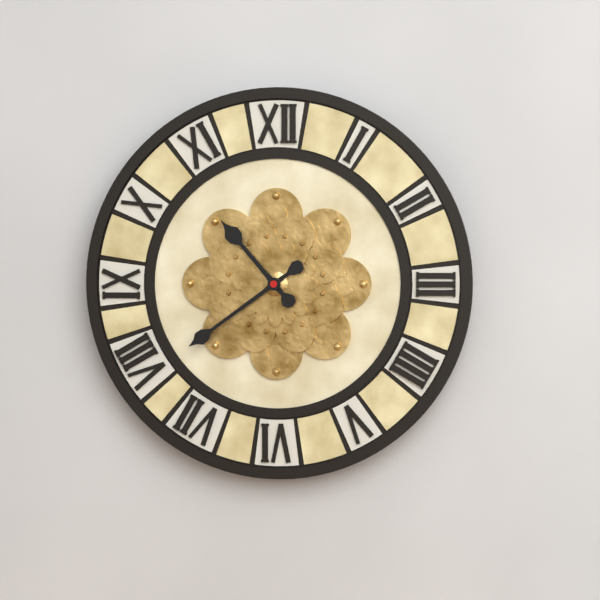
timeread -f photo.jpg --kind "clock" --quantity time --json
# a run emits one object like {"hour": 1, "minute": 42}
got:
{"hour": 10, "minute": 39}
